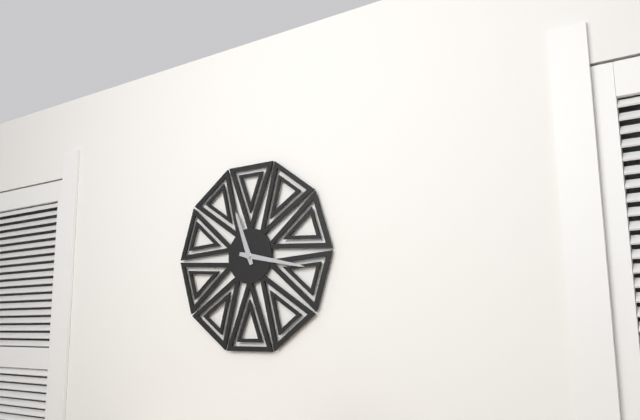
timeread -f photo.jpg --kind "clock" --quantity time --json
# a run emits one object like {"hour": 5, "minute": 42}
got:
{"hour": 11, "minute": 17}
